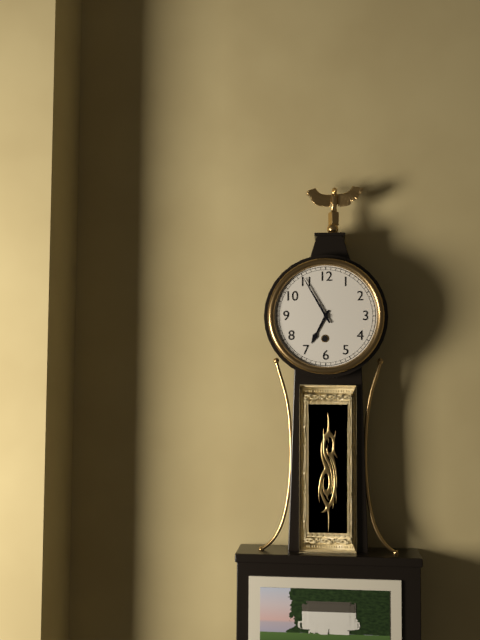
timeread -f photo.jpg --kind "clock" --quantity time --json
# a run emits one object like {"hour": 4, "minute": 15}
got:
{"hour": 6, "minute": 55}
